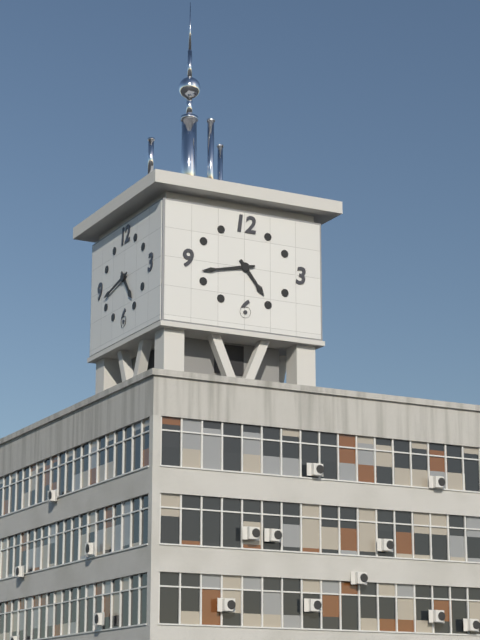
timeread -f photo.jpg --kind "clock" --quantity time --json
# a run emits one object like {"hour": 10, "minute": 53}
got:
{"hour": 4, "minute": 43}
